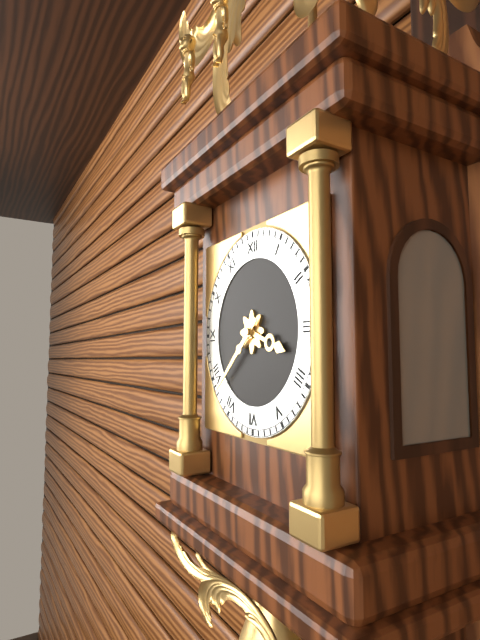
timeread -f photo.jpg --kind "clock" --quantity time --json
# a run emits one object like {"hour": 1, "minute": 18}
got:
{"hour": 3, "minute": 38}
